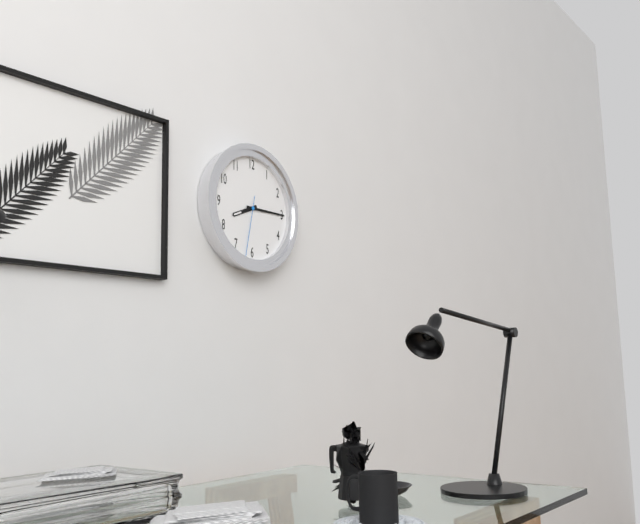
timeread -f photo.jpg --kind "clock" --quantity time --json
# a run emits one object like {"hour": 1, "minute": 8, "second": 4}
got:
{"hour": 8, "minute": 15, "second": 32}
